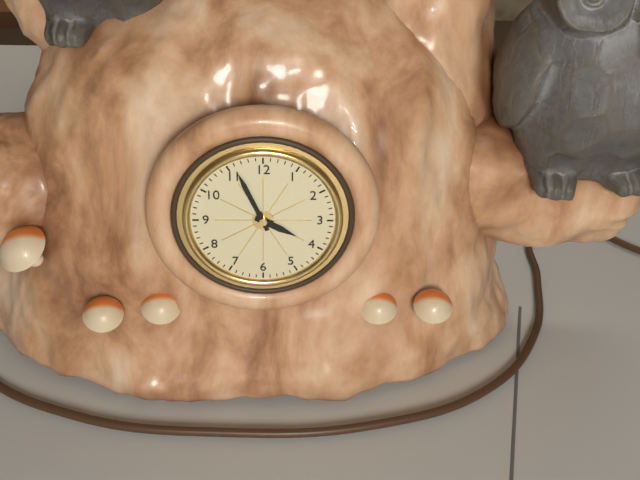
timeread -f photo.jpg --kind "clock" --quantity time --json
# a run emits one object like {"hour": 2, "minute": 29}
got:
{"hour": 3, "minute": 56}
